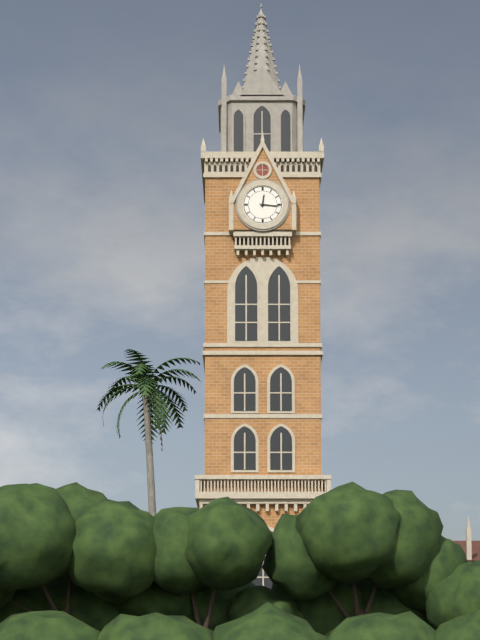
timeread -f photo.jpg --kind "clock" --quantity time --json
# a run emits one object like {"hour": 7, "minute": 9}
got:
{"hour": 12, "minute": 16}
